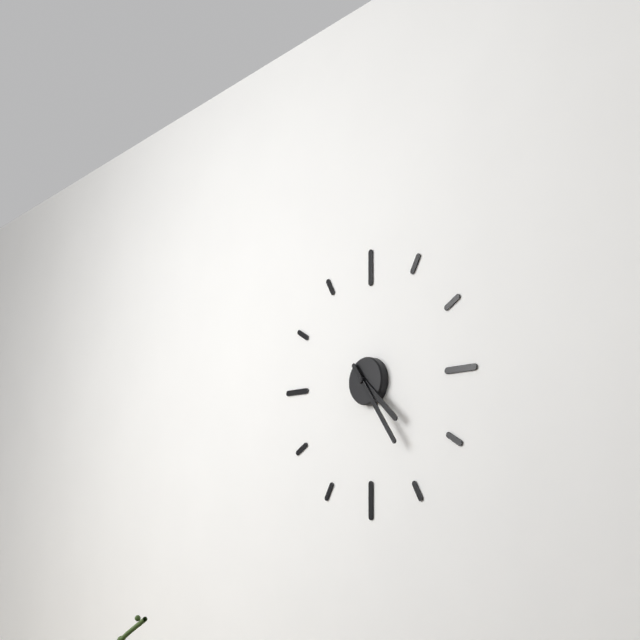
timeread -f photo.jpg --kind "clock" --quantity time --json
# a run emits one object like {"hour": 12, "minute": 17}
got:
{"hour": 4, "minute": 24}
